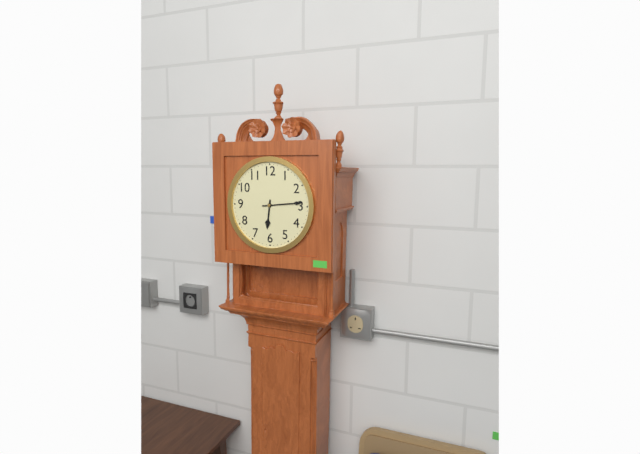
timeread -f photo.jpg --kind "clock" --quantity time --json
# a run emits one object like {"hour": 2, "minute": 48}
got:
{"hour": 6, "minute": 14}
